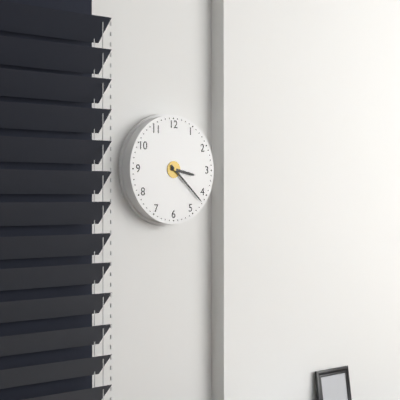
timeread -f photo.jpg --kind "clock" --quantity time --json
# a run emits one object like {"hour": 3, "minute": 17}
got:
{"hour": 3, "minute": 22}
